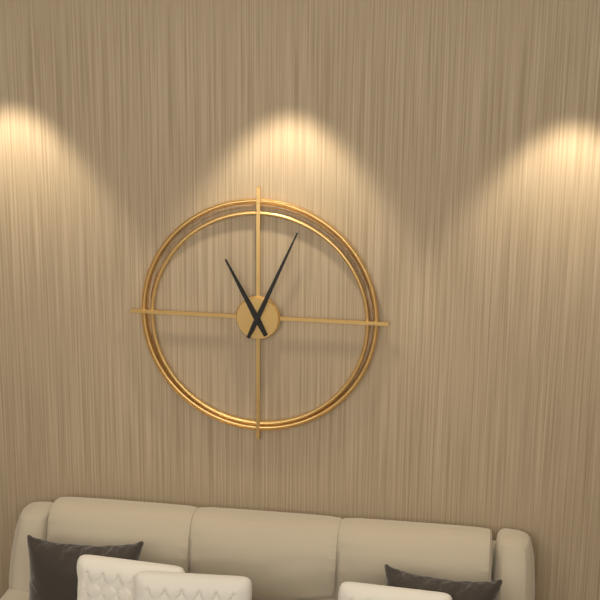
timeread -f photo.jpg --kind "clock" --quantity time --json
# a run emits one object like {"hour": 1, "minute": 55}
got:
{"hour": 11, "minute": 4}
